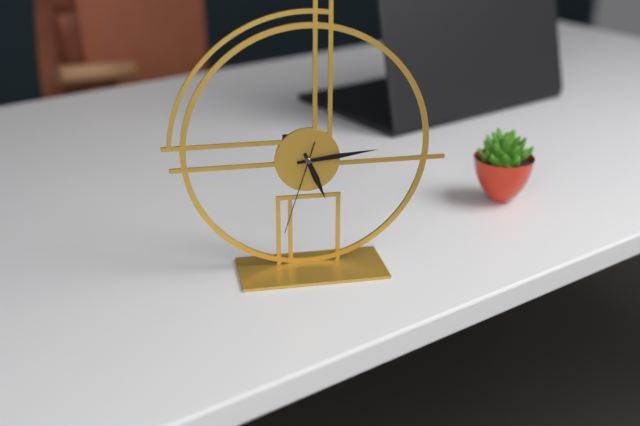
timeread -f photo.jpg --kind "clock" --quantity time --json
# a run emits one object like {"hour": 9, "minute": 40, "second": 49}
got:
{"hour": 5, "minute": 14, "second": 33}
